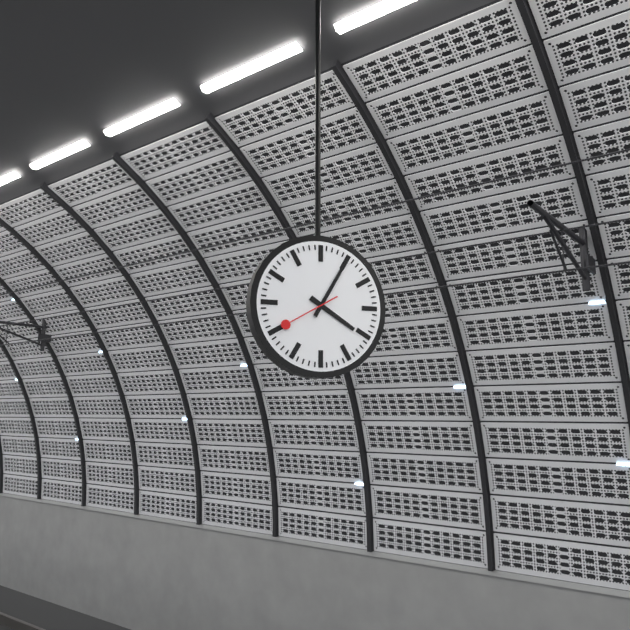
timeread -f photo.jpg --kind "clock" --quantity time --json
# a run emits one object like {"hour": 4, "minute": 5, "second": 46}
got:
{"hour": 4, "minute": 5, "second": 40}
